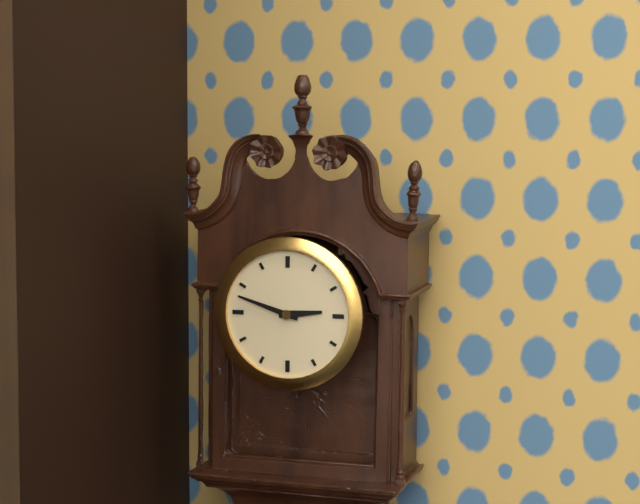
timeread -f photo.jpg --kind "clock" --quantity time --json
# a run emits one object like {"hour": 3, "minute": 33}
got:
{"hour": 2, "minute": 48}
